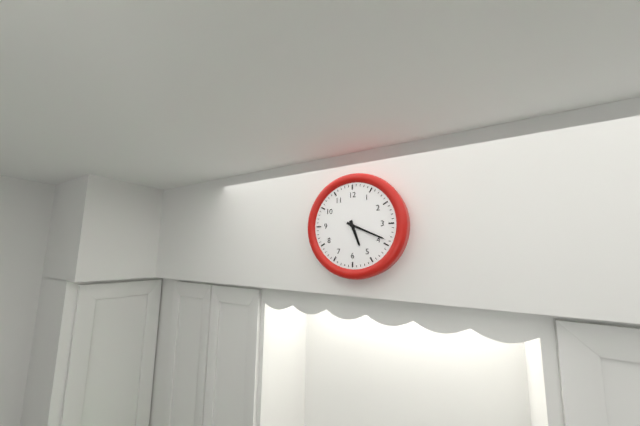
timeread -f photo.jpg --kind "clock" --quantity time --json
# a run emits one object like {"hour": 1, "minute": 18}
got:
{"hour": 5, "minute": 19}
